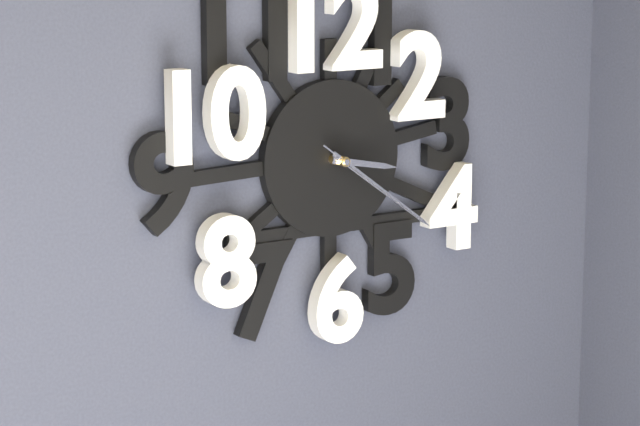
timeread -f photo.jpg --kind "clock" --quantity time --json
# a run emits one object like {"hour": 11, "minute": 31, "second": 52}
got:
{"hour": 3, "minute": 21, "second": 21}
